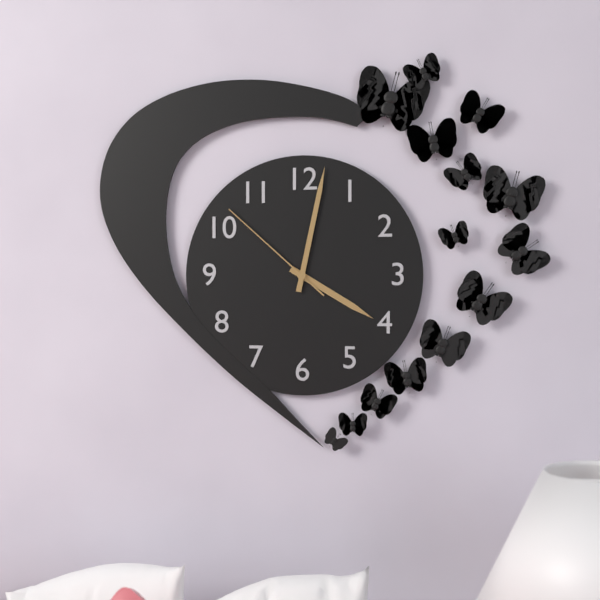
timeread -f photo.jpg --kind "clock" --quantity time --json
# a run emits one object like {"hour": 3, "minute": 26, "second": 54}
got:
{"hour": 4, "minute": 2, "second": 52}
